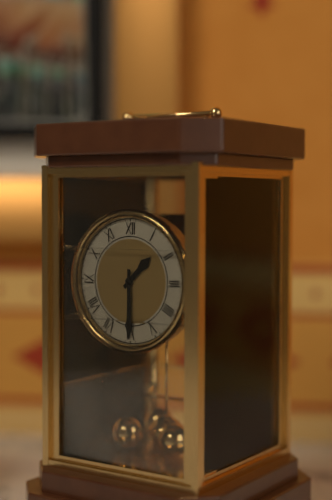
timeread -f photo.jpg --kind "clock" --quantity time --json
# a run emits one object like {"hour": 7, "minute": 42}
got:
{"hour": 1, "minute": 30}
